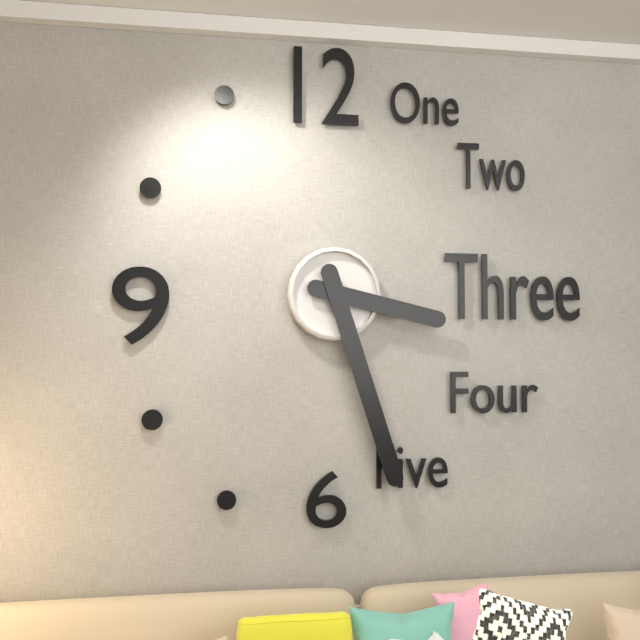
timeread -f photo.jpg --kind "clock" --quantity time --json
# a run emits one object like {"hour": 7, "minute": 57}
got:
{"hour": 3, "minute": 27}
